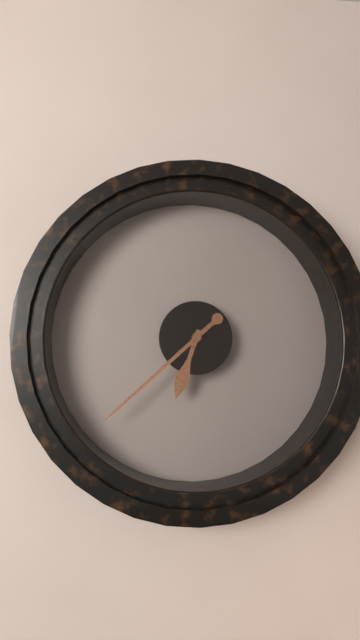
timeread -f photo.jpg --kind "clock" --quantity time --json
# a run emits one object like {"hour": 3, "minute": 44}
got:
{"hour": 6, "minute": 38}
